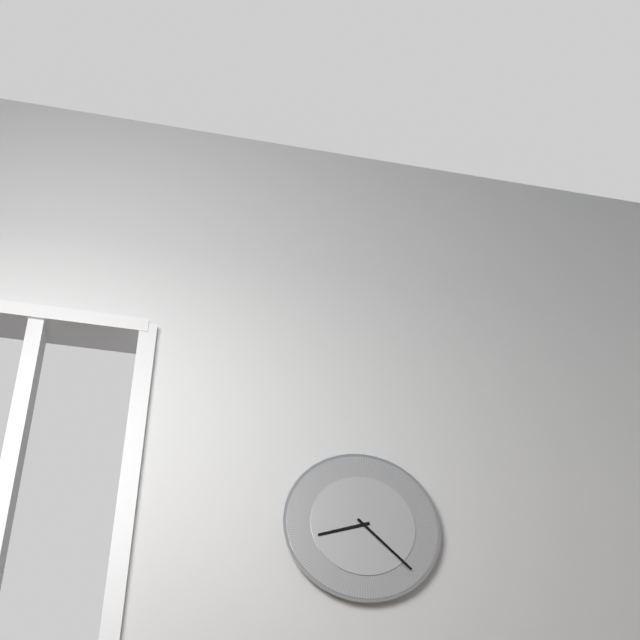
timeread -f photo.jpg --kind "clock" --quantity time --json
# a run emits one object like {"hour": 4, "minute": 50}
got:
{"hour": 8, "minute": 22}
